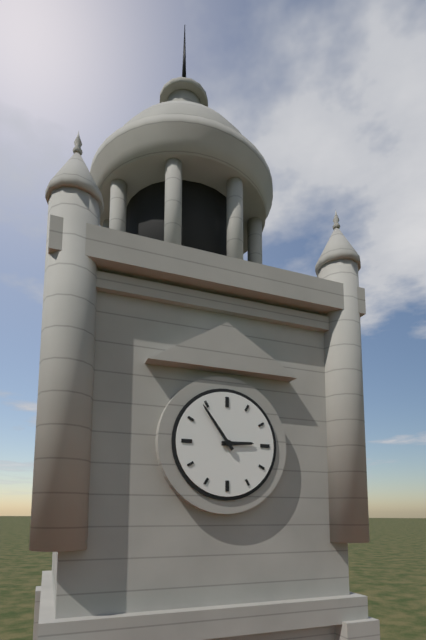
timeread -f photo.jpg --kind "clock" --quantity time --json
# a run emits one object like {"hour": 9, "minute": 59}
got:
{"hour": 2, "minute": 54}
